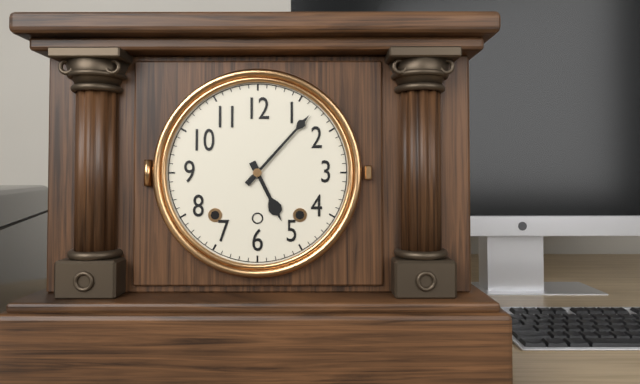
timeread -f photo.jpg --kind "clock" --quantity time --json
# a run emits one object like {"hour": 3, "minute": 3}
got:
{"hour": 5, "minute": 7}
